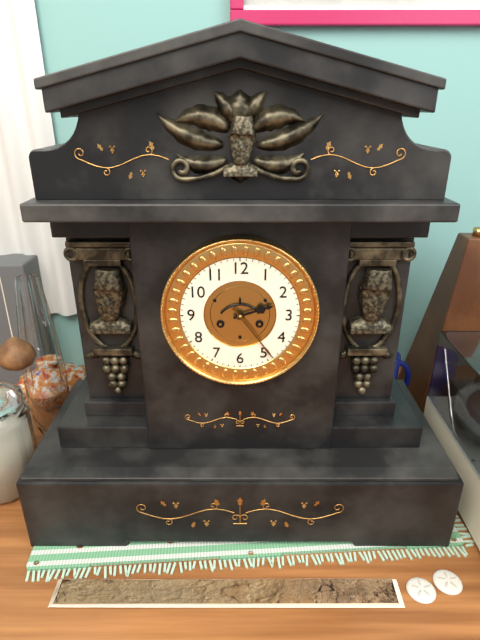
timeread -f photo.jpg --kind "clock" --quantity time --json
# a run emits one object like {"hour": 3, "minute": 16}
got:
{"hour": 2, "minute": 24}
